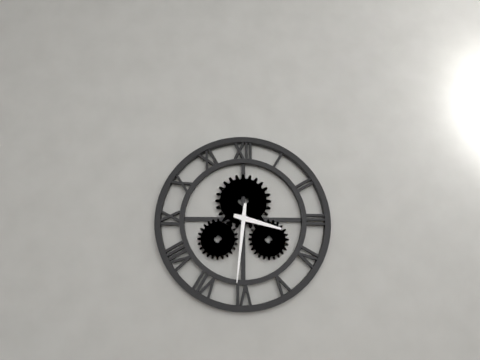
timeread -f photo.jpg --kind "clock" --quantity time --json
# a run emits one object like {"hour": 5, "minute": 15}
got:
{"hour": 3, "minute": 31}
